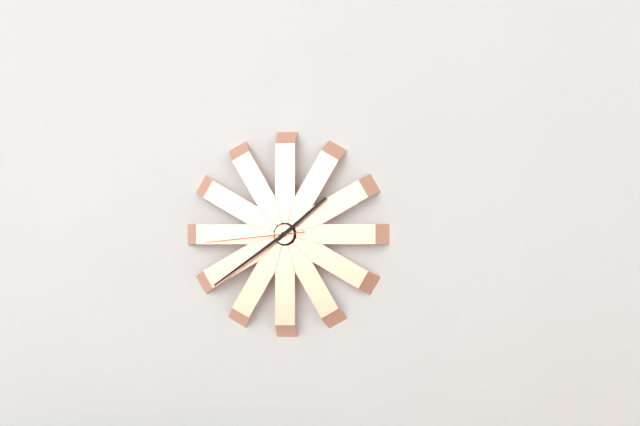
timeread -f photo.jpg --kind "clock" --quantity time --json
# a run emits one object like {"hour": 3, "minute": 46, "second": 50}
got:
{"hour": 1, "minute": 39, "second": 44}
